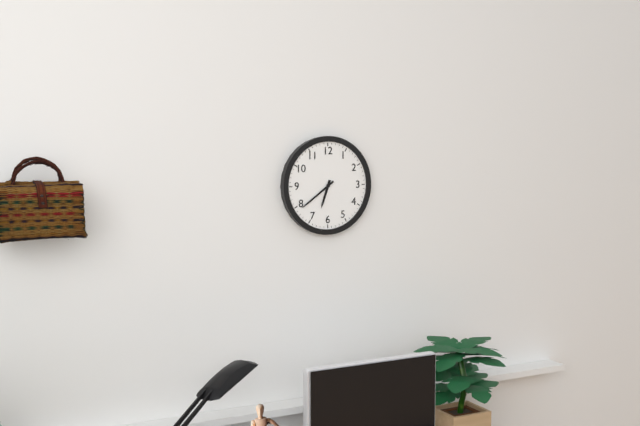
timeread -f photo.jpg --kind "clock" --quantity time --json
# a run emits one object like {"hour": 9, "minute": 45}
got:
{"hour": 6, "minute": 39}
